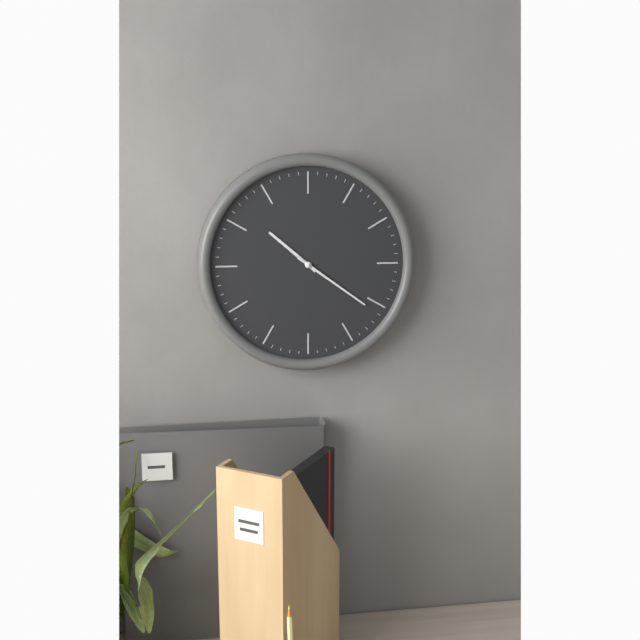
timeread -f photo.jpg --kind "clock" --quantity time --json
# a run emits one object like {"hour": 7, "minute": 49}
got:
{"hour": 10, "minute": 21}
